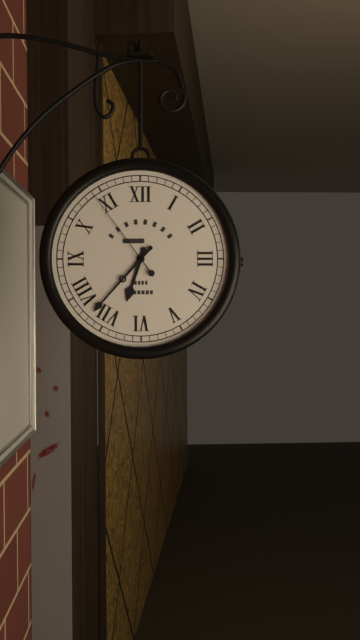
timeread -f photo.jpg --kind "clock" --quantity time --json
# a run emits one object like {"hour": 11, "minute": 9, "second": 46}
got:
{"hour": 6, "minute": 37, "second": 54}
